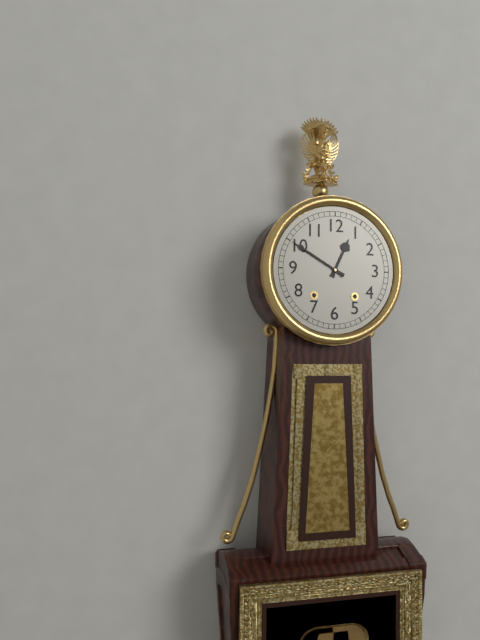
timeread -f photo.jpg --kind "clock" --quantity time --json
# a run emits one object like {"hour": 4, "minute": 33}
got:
{"hour": 12, "minute": 50}
